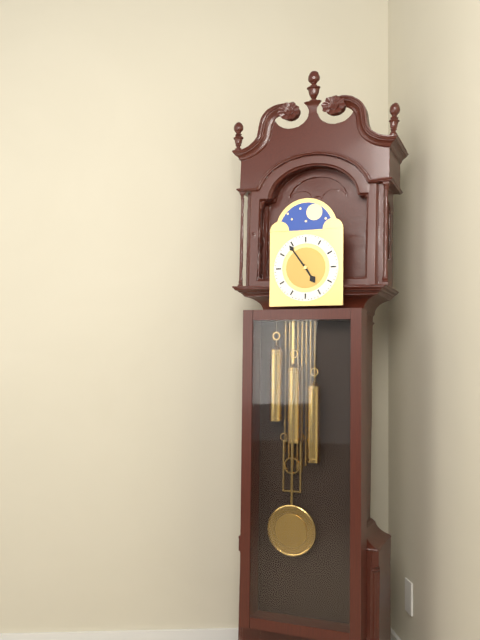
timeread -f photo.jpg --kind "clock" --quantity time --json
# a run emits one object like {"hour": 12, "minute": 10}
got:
{"hour": 4, "minute": 54}
